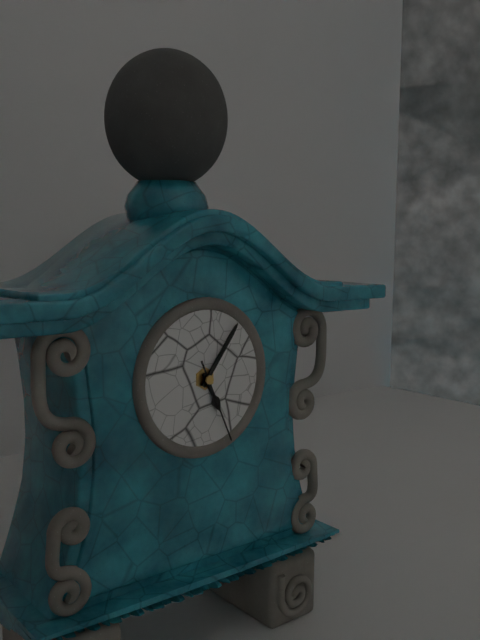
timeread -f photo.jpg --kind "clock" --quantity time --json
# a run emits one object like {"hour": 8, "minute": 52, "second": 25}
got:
{"hour": 5, "minute": 6, "second": 26}
